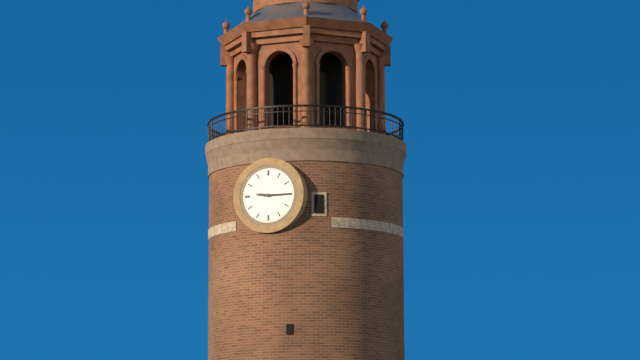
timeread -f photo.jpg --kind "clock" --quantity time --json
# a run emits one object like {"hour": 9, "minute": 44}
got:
{"hour": 9, "minute": 15}
